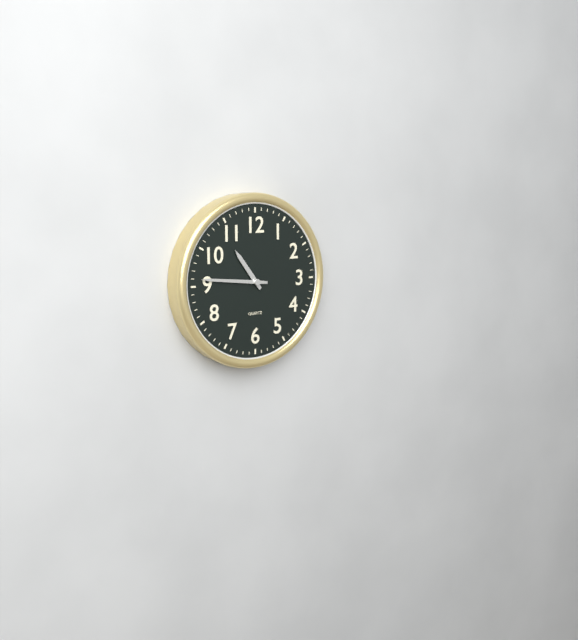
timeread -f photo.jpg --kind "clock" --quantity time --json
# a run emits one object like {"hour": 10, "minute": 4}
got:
{"hour": 10, "minute": 46}
